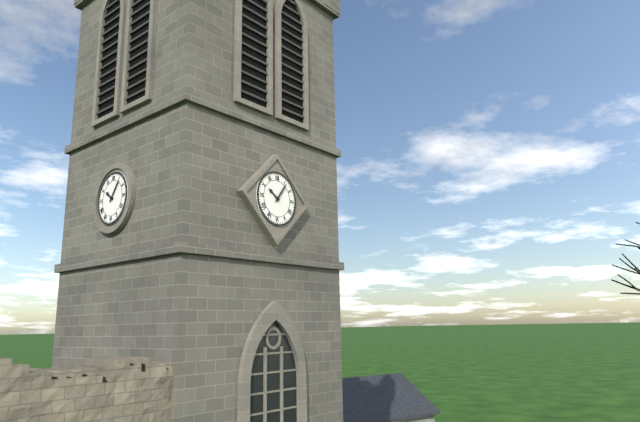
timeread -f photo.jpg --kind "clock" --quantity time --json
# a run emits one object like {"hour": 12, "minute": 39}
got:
{"hour": 10, "minute": 6}
